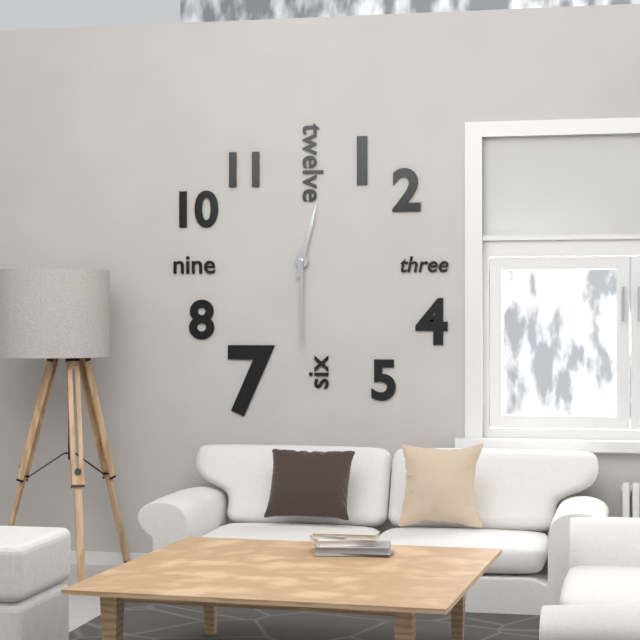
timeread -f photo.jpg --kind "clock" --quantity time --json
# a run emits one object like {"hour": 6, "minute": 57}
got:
{"hour": 12, "minute": 30}
